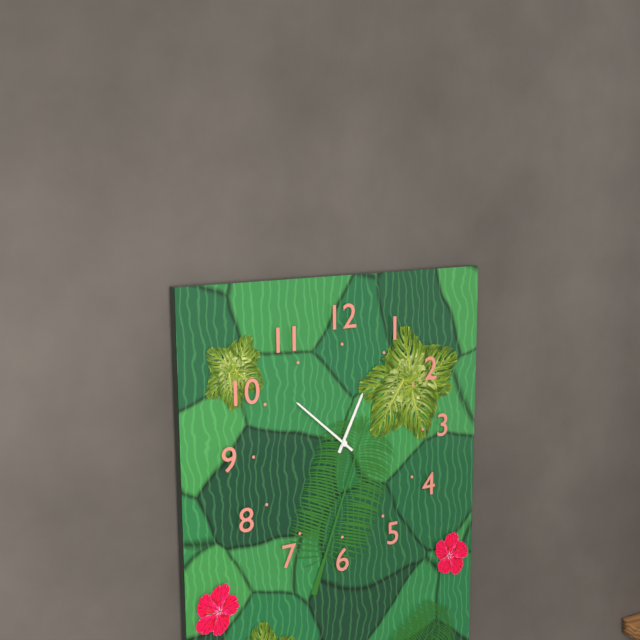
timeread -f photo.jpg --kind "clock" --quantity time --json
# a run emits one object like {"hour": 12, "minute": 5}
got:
{"hour": 12, "minute": 52}
